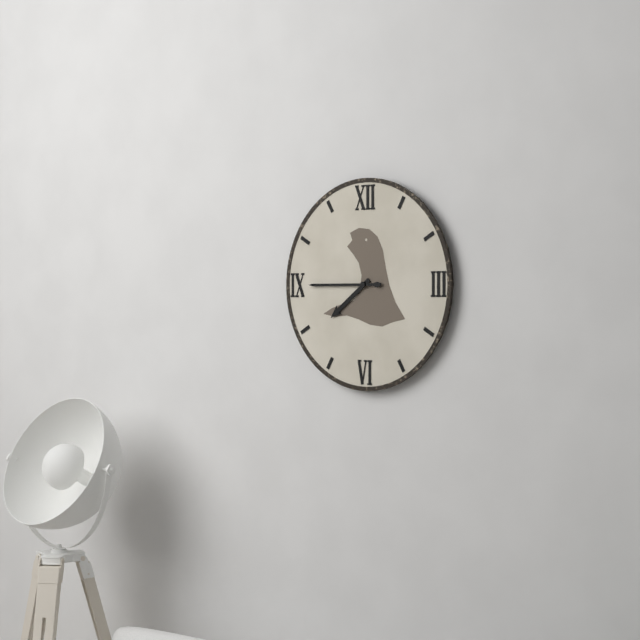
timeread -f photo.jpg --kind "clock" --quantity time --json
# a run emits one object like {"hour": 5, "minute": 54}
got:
{"hour": 7, "minute": 45}
